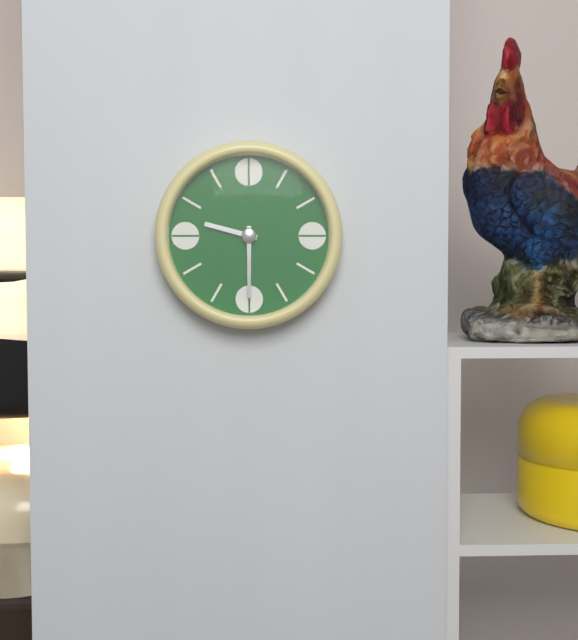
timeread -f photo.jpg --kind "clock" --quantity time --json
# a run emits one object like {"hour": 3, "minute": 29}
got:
{"hour": 9, "minute": 30}
